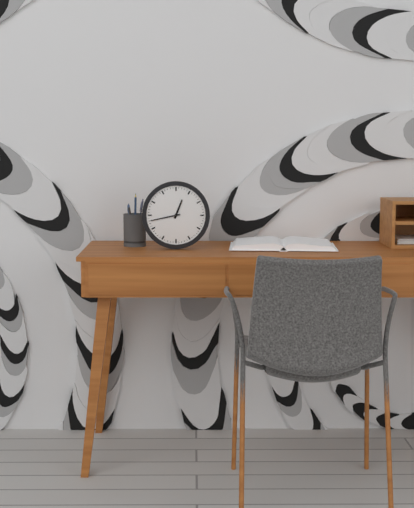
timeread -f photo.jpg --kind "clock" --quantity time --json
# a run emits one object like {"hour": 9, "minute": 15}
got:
{"hour": 12, "minute": 43}
